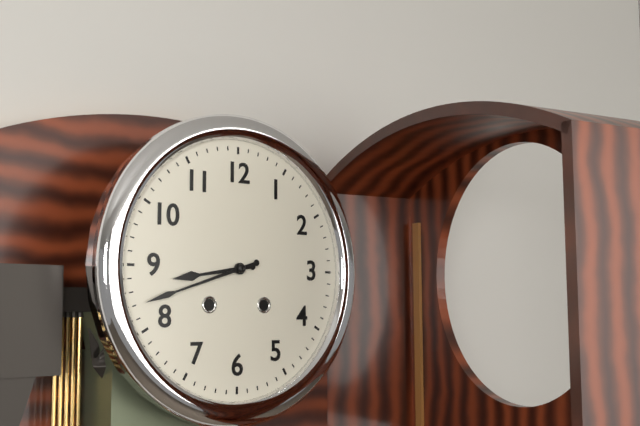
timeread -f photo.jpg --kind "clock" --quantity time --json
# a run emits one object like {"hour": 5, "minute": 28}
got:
{"hour": 8, "minute": 42}
